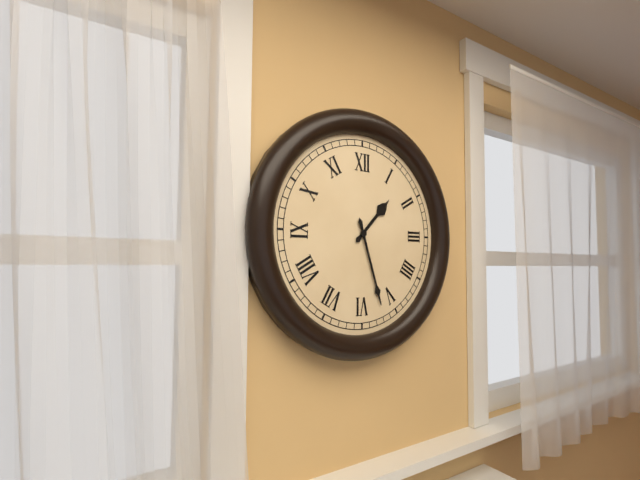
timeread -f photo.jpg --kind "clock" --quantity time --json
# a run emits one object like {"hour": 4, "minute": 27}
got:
{"hour": 1, "minute": 27}
